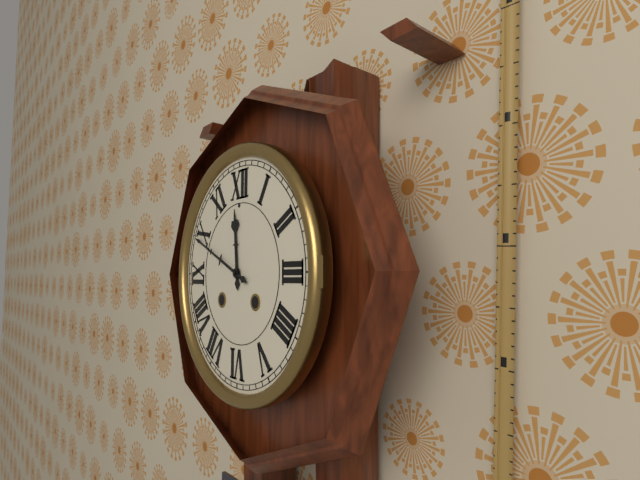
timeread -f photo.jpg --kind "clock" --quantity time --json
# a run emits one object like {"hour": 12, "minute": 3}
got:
{"hour": 11, "minute": 49}
